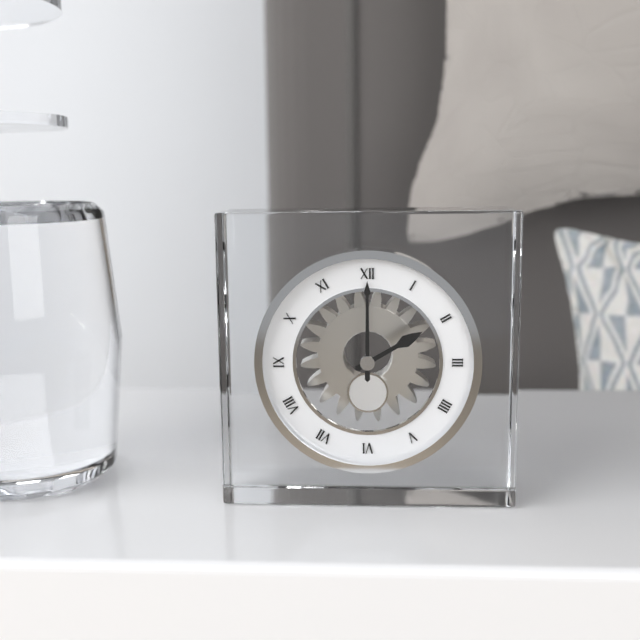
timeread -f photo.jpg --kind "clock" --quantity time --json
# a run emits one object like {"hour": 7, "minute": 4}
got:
{"hour": 2, "minute": 0}
